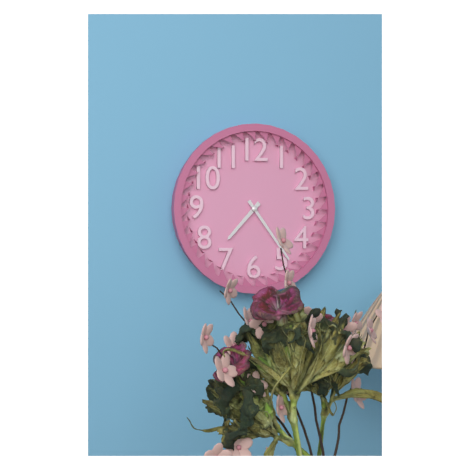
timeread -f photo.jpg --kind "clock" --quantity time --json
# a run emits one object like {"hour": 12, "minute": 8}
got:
{"hour": 7, "minute": 24}
